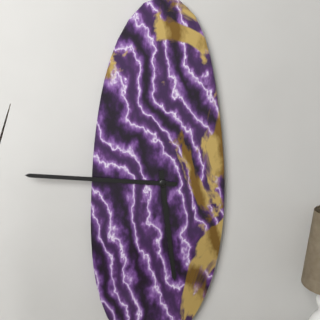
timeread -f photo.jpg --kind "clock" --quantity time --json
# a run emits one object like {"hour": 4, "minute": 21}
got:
{"hour": 5, "minute": 46}
